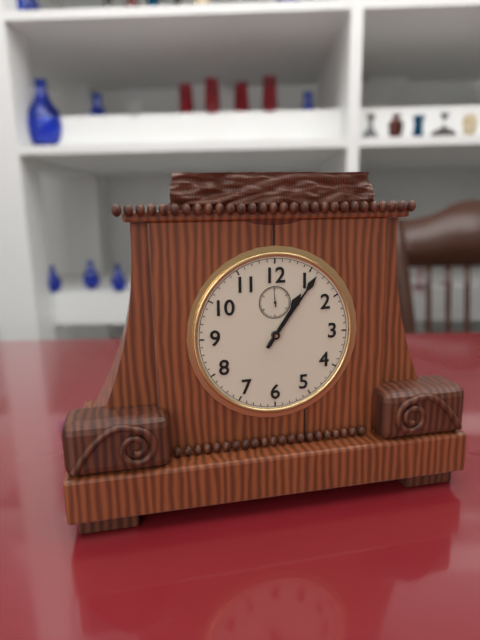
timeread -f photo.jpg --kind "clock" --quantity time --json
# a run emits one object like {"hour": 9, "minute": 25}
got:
{"hour": 1, "minute": 6}
